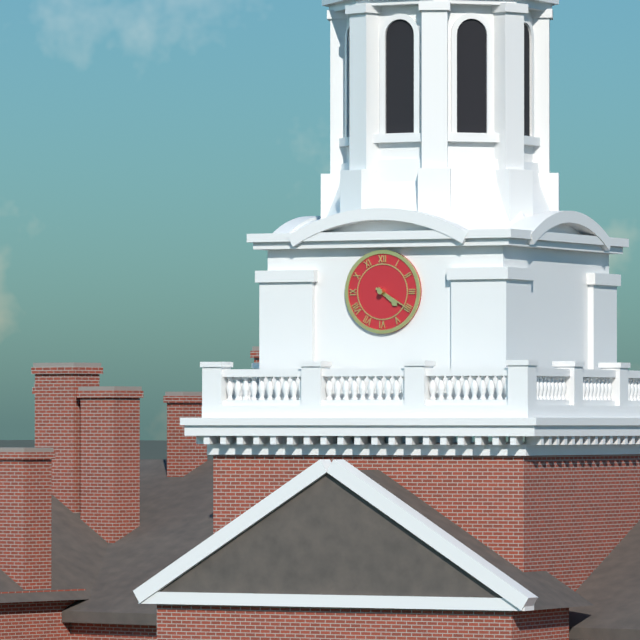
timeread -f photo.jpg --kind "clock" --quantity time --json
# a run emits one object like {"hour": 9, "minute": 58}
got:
{"hour": 4, "minute": 20}
